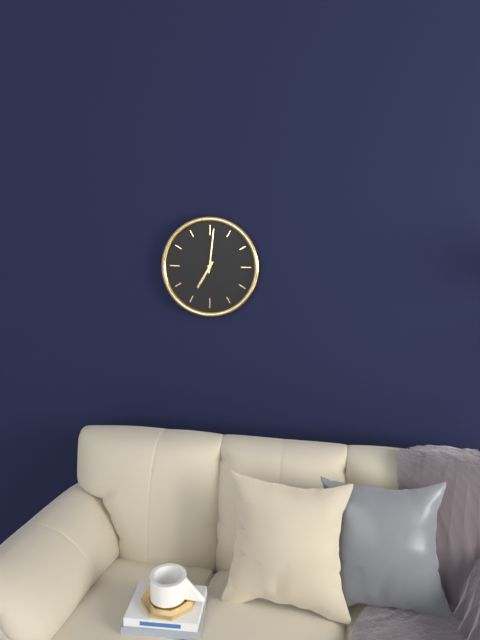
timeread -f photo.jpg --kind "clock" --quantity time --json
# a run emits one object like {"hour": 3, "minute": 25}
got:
{"hour": 7, "minute": 1}
